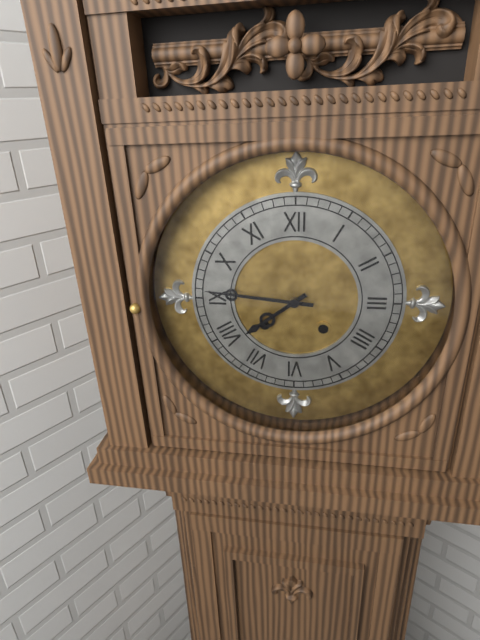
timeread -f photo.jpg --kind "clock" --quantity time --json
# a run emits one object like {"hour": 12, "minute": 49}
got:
{"hour": 7, "minute": 46}
